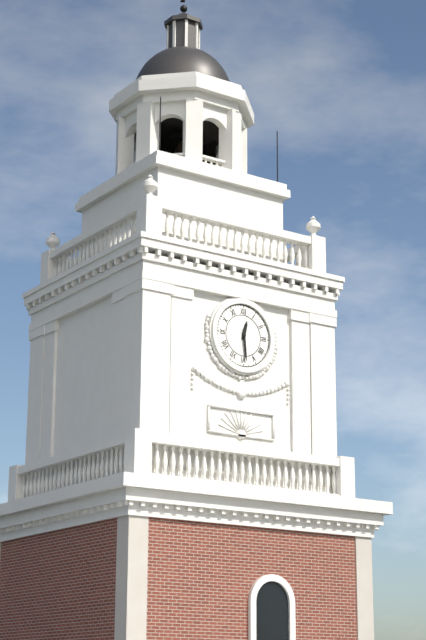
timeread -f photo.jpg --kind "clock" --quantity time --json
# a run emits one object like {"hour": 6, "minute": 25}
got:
{"hour": 12, "minute": 29}
